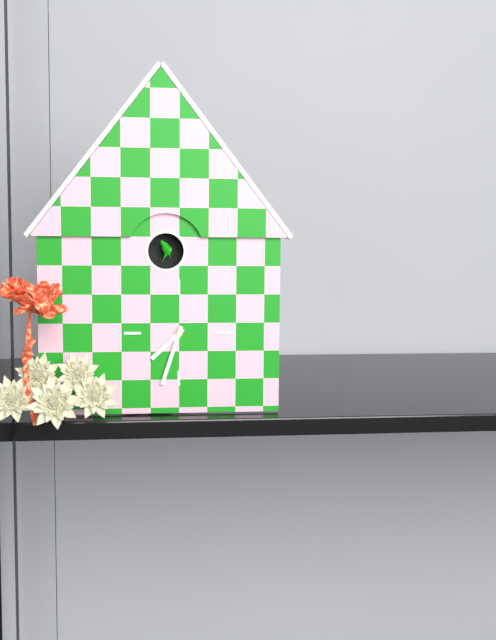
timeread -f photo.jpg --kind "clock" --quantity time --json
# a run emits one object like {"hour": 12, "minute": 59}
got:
{"hour": 7, "minute": 33}
